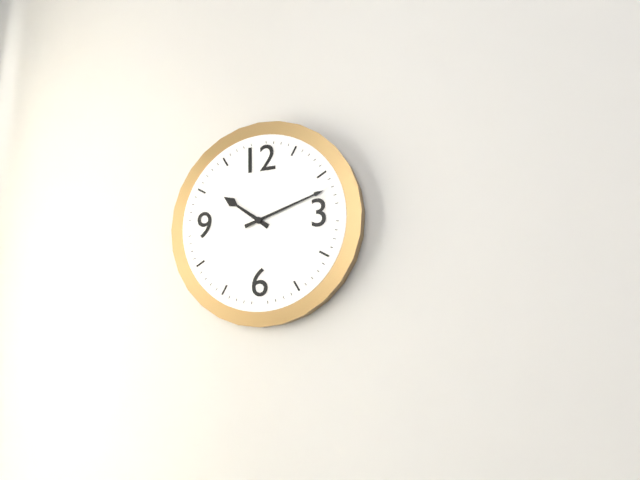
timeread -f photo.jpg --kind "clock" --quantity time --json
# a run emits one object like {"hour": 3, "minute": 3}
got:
{"hour": 10, "minute": 12}
